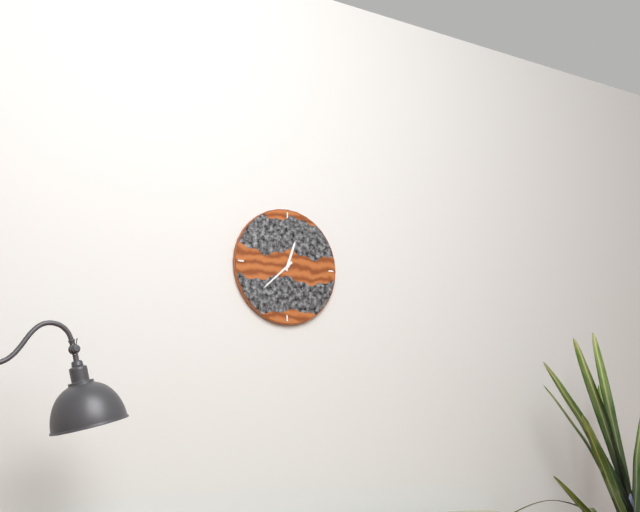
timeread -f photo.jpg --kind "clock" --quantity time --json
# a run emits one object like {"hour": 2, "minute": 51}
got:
{"hour": 12, "minute": 38}
